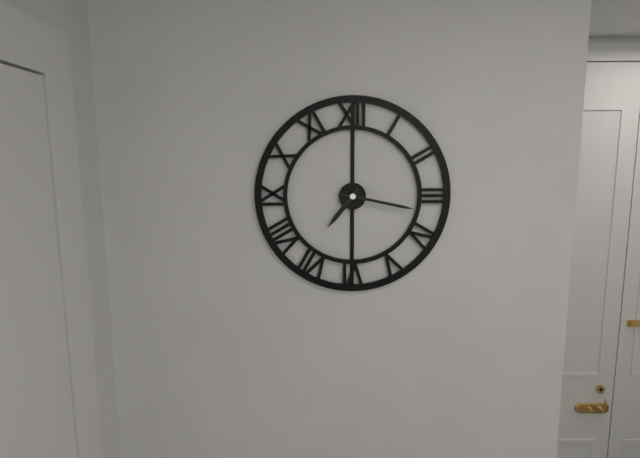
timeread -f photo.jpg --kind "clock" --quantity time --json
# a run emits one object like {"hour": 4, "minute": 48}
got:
{"hour": 7, "minute": 17}
